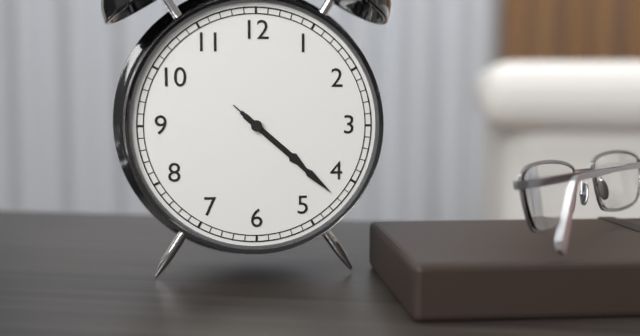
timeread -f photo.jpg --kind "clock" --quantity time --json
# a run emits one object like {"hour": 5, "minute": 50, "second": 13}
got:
{"hour": 4, "minute": 22, "second": 22}
